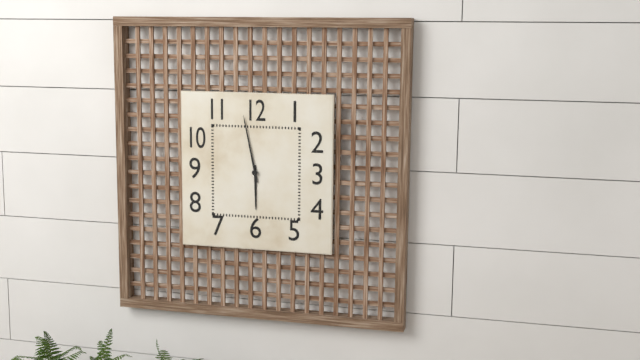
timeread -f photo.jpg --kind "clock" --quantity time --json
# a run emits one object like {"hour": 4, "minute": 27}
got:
{"hour": 5, "minute": 58}
